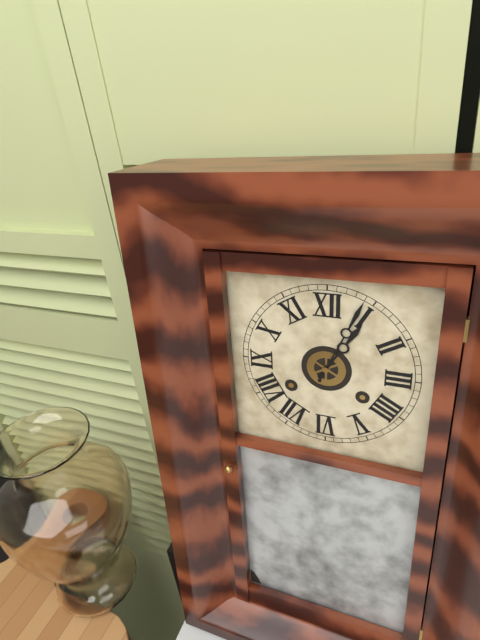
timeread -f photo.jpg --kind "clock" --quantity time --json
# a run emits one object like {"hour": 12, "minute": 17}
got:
{"hour": 1, "minute": 4}
